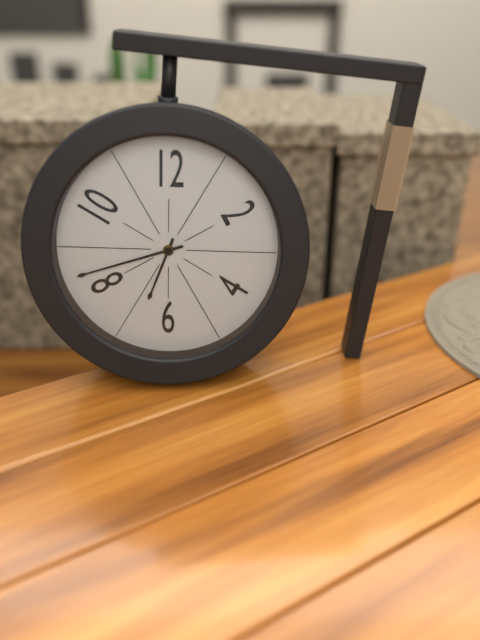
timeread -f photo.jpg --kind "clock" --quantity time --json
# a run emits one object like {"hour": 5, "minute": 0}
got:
{"hour": 6, "minute": 42}
